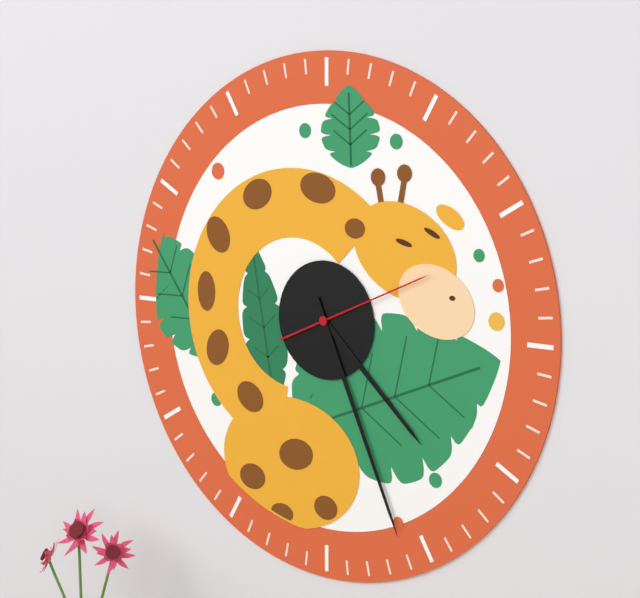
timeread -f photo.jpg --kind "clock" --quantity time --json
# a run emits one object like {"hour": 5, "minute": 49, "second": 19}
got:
{"hour": 4, "minute": 26, "second": 11}
